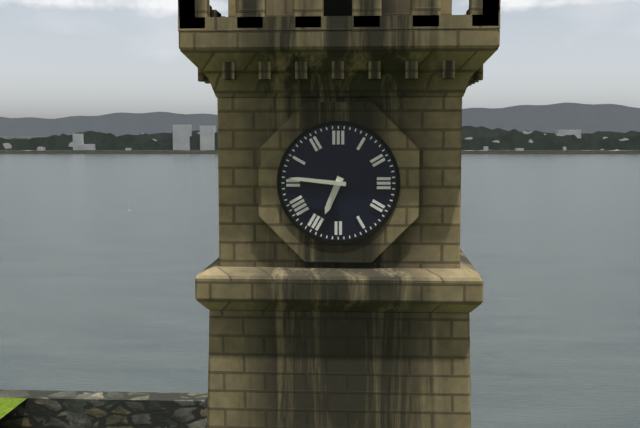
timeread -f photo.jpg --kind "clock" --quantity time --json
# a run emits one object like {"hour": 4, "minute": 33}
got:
{"hour": 6, "minute": 46}
